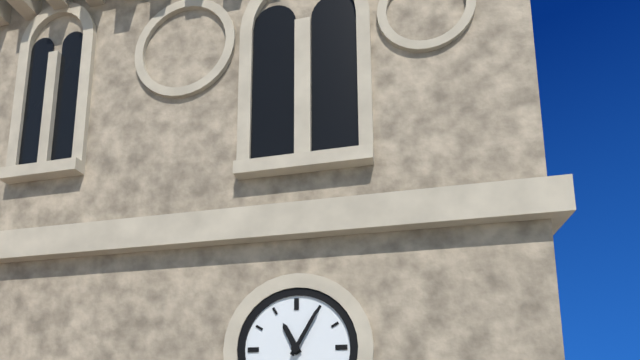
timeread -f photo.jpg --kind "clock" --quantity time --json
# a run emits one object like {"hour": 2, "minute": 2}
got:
{"hour": 11, "minute": 5}
